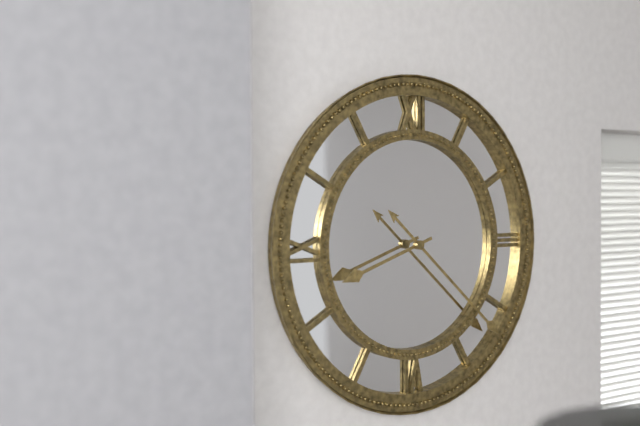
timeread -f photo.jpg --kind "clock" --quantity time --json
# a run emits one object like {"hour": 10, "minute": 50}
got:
{"hour": 8, "minute": 22}
